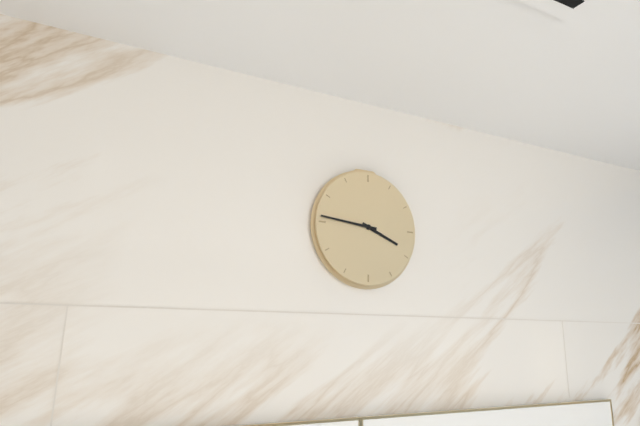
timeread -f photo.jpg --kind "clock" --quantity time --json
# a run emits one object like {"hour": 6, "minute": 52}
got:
{"hour": 3, "minute": 46}
